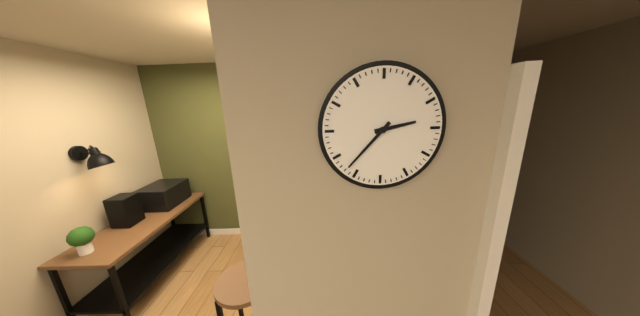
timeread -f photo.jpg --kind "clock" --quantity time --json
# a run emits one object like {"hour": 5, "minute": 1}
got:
{"hour": 2, "minute": 37}
